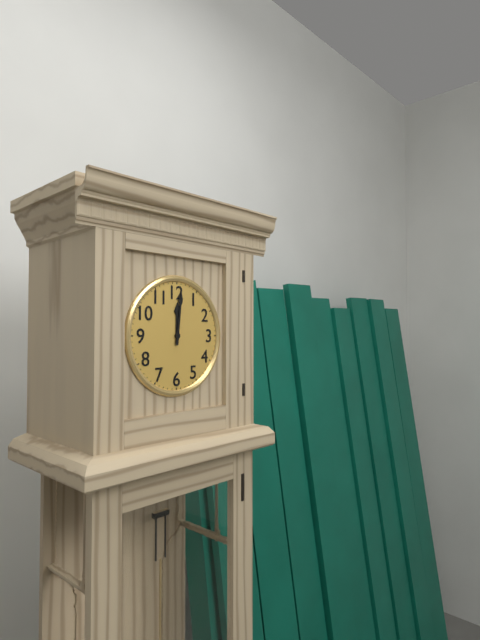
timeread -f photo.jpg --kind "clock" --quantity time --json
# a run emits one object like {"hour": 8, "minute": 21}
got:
{"hour": 12, "minute": 1}
